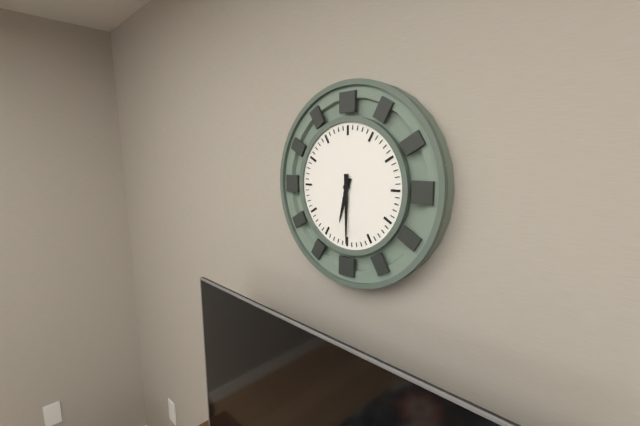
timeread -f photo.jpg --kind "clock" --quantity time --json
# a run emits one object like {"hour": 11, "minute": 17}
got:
{"hour": 6, "minute": 30}
